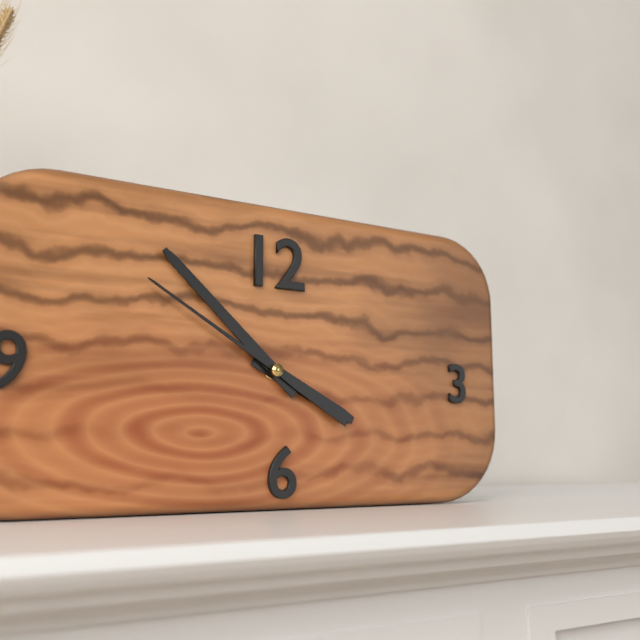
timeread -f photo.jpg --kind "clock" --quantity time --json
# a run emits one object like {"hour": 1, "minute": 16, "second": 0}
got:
{"hour": 3, "minute": 52, "second": 50}
